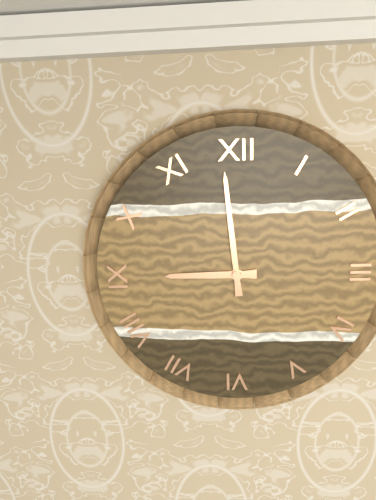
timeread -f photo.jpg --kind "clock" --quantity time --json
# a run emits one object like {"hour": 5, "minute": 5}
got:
{"hour": 8, "minute": 59}
